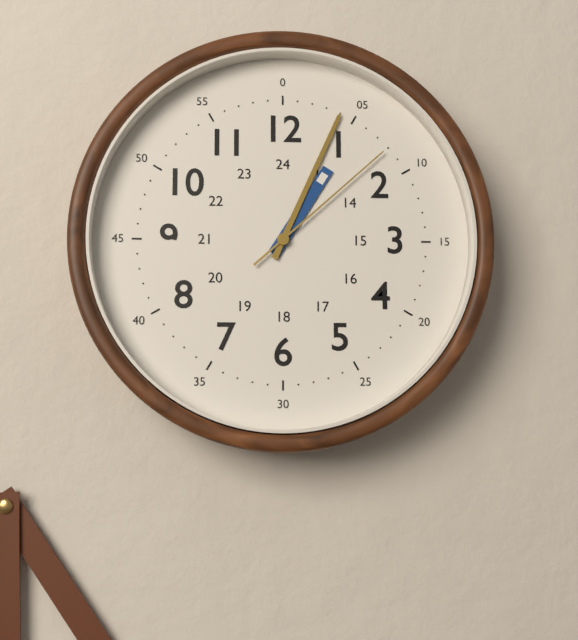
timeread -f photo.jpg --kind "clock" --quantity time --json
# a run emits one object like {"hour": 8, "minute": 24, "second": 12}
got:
{"hour": 1, "minute": 4, "second": 8}
